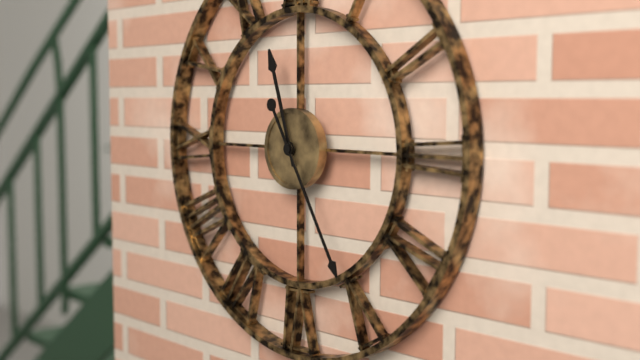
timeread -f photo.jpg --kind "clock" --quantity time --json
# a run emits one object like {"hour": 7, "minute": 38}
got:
{"hour": 11, "minute": 25}
